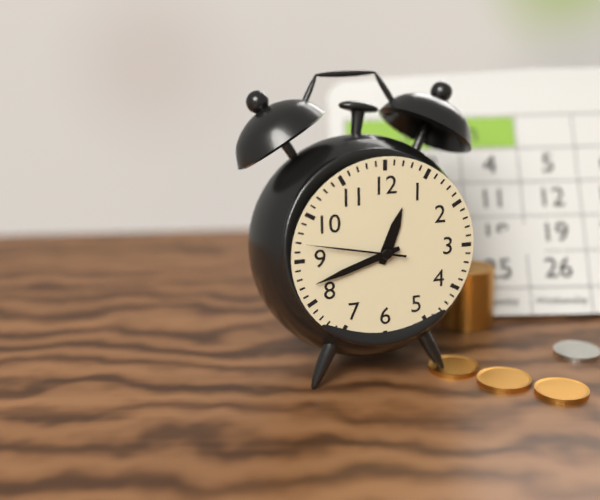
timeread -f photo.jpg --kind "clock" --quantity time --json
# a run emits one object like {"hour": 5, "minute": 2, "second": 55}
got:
{"hour": 12, "minute": 42, "second": 47}
